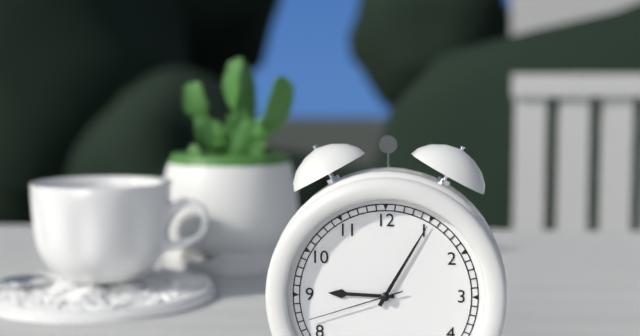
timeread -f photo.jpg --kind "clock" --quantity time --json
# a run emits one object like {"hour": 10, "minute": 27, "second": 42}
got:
{"hour": 9, "minute": 5, "second": 42}
